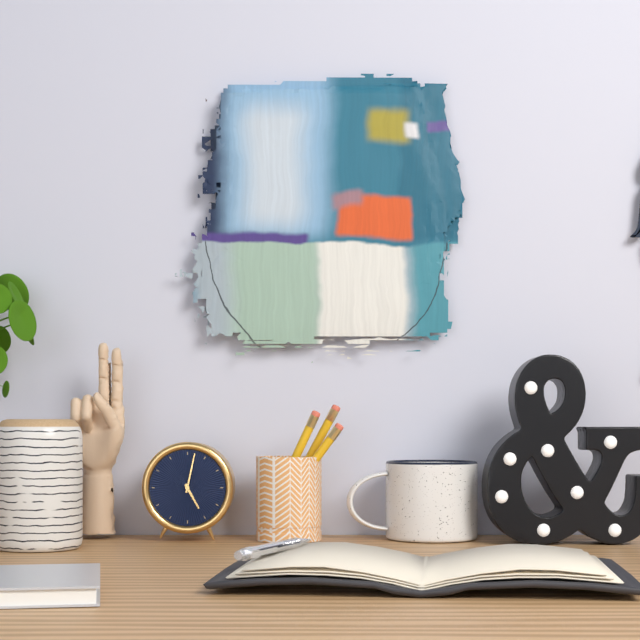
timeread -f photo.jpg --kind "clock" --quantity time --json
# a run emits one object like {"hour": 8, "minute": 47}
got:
{"hour": 5, "minute": 2}
